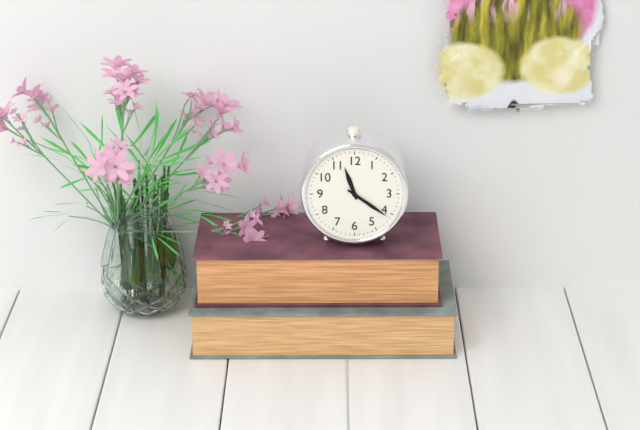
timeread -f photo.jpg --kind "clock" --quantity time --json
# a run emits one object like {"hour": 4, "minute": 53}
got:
{"hour": 11, "minute": 21}
